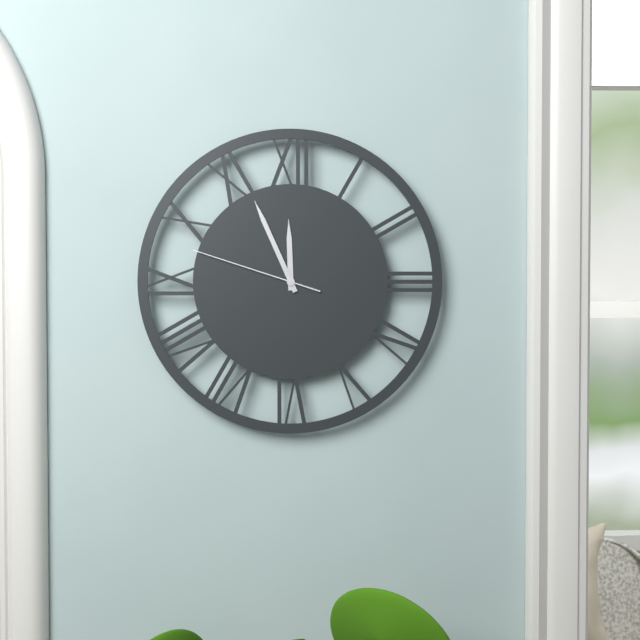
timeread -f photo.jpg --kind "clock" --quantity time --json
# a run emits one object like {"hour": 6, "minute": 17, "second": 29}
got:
{"hour": 11, "minute": 56, "second": 48}
